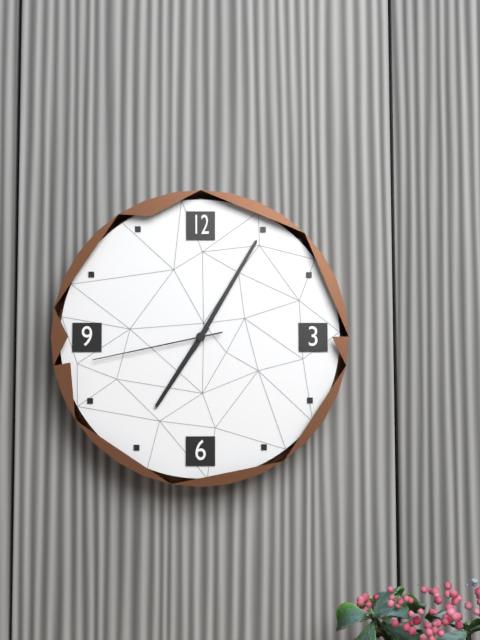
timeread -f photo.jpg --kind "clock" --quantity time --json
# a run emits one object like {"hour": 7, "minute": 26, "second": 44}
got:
{"hour": 7, "minute": 5, "second": 43}
